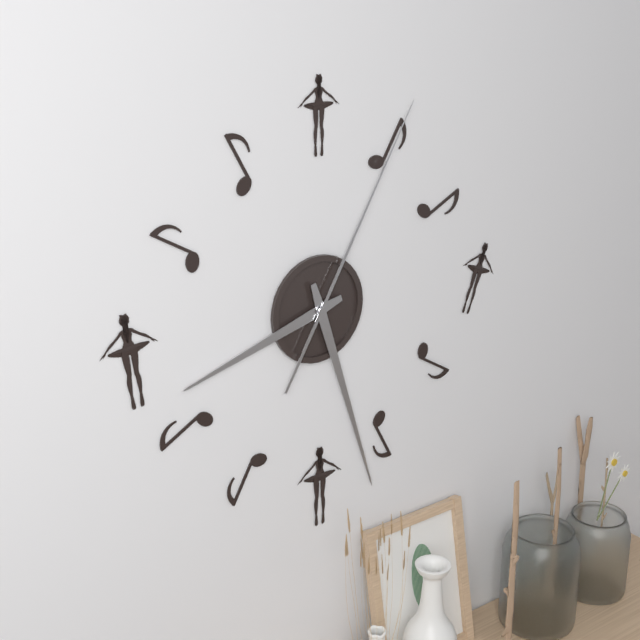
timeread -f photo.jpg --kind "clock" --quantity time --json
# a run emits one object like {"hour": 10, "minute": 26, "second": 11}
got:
{"hour": 8, "minute": 27, "second": 5}
